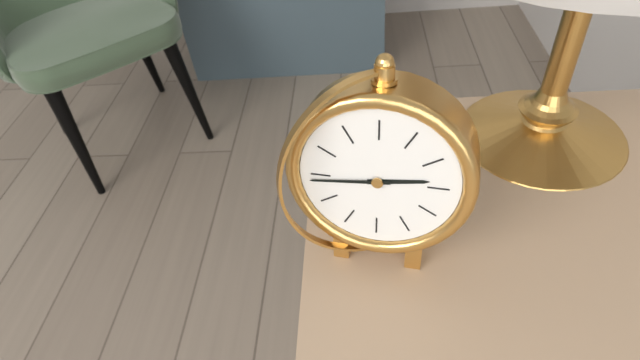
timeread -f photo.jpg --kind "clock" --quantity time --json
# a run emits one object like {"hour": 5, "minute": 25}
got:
{"hour": 2, "minute": 44}
